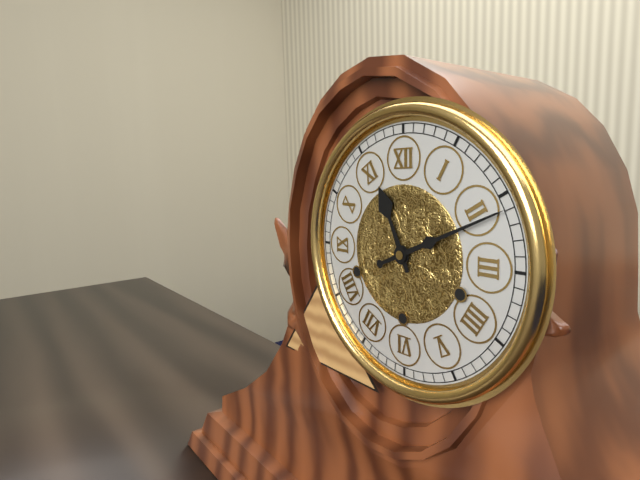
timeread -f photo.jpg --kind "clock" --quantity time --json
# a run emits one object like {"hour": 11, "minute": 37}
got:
{"hour": 11, "minute": 11}
